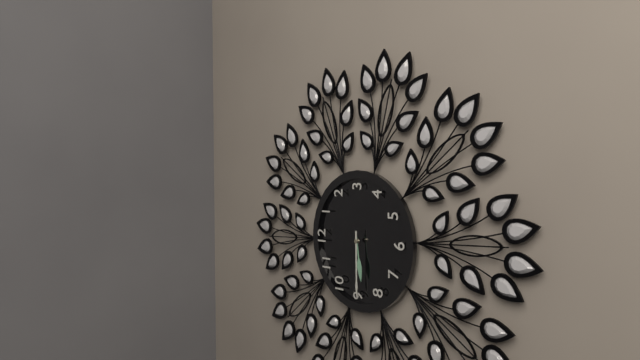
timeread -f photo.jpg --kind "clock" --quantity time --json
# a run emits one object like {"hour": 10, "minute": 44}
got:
{"hour": 8, "minute": 45}
